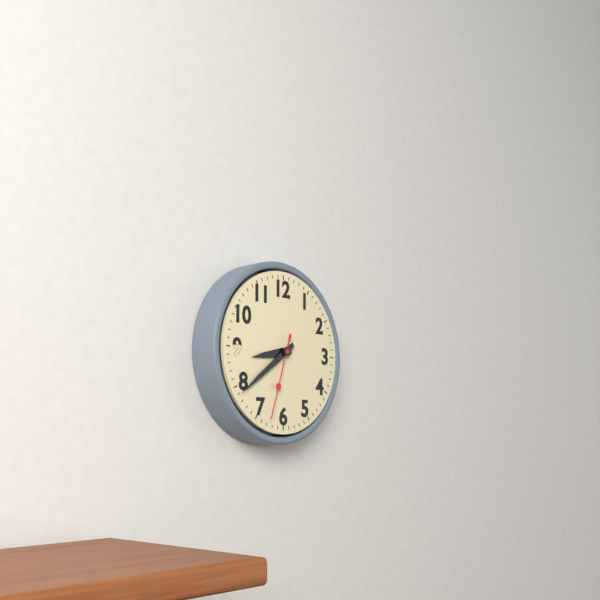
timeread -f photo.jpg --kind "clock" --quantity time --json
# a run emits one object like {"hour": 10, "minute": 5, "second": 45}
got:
{"hour": 8, "minute": 39, "second": 33}
